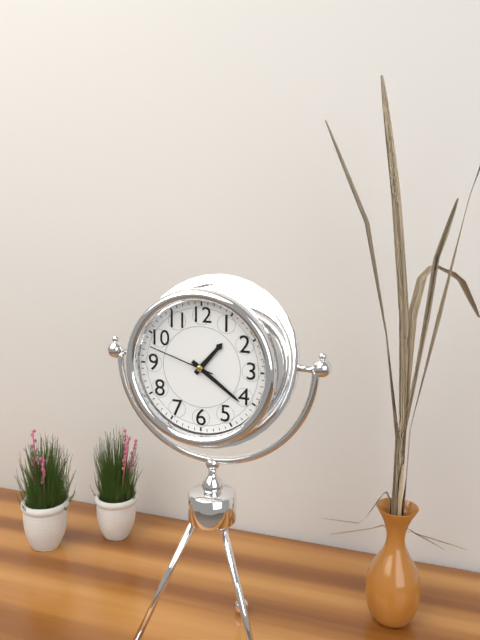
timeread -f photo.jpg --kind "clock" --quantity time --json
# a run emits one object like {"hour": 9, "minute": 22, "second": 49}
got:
{"hour": 1, "minute": 21, "second": 48}
